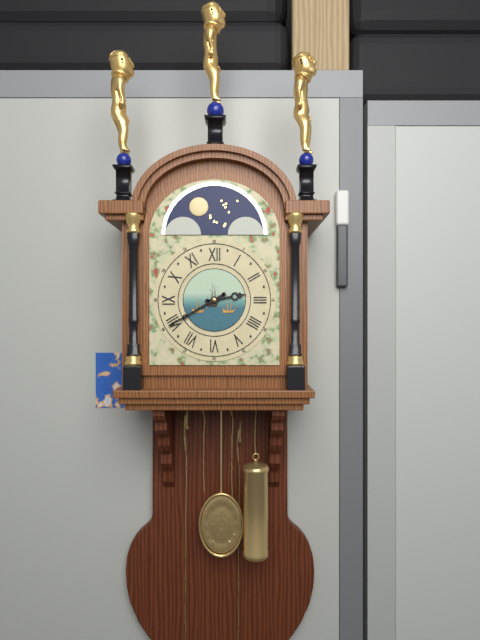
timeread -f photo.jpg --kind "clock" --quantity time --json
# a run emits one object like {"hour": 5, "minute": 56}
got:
{"hour": 2, "minute": 40}
